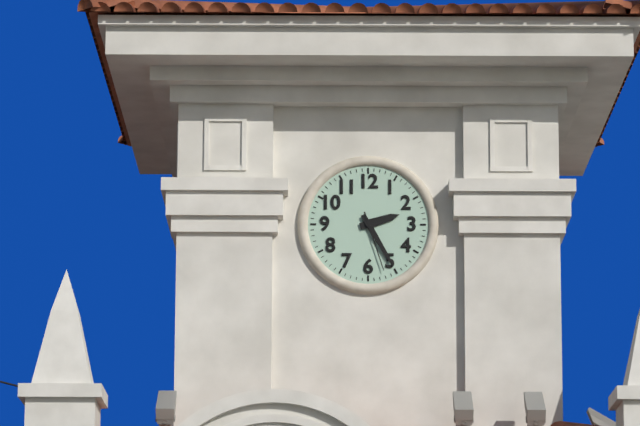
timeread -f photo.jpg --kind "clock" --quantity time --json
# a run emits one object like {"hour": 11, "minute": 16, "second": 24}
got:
{"hour": 2, "minute": 25, "second": 27}
